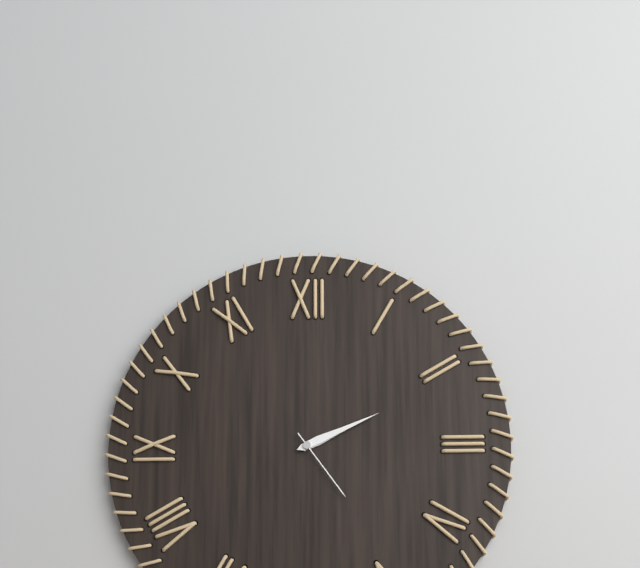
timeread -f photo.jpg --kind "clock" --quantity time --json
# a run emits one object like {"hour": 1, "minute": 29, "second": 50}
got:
{"hour": 2, "minute": 11, "second": 24}
